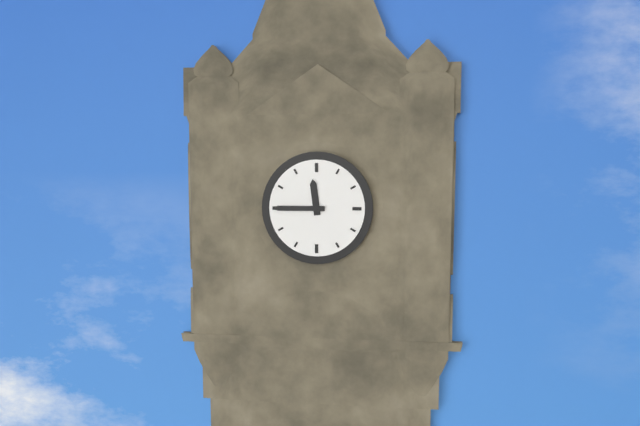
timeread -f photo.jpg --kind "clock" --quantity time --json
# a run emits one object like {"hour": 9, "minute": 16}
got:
{"hour": 11, "minute": 45}
